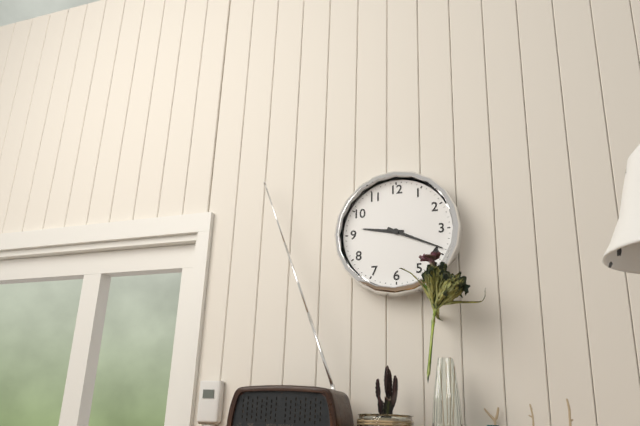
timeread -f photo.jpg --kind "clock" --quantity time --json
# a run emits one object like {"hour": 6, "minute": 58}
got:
{"hour": 9, "minute": 19}
